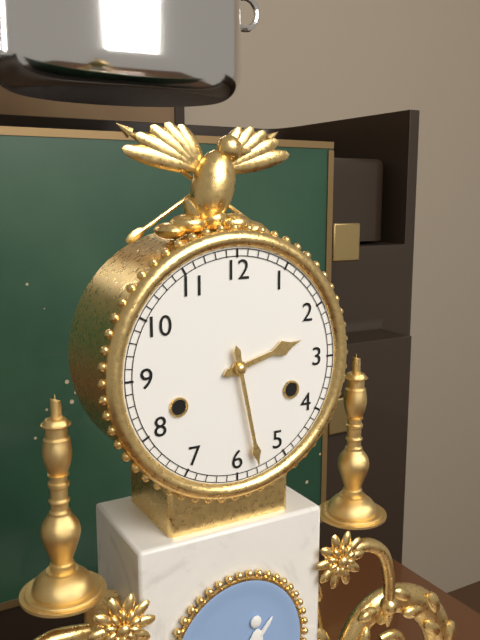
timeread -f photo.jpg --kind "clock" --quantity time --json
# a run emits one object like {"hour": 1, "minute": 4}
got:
{"hour": 2, "minute": 28}
